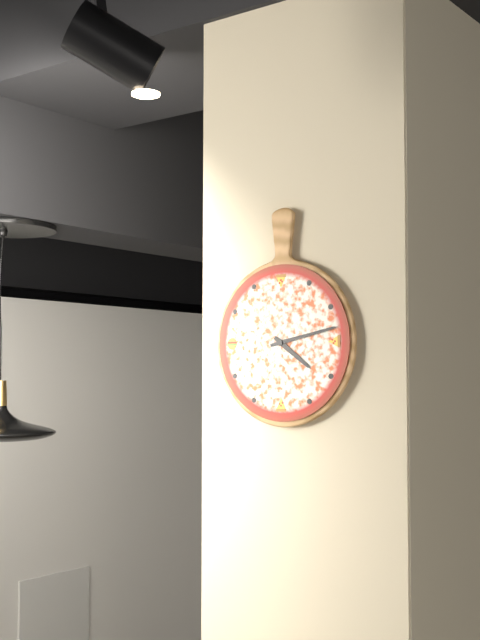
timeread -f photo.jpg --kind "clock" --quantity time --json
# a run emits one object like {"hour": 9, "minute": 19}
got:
{"hour": 4, "minute": 13}
